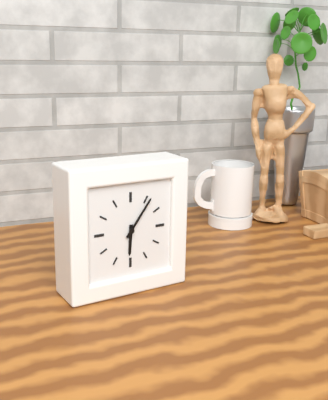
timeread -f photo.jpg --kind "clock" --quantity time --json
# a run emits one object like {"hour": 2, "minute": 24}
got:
{"hour": 6, "minute": 6}
